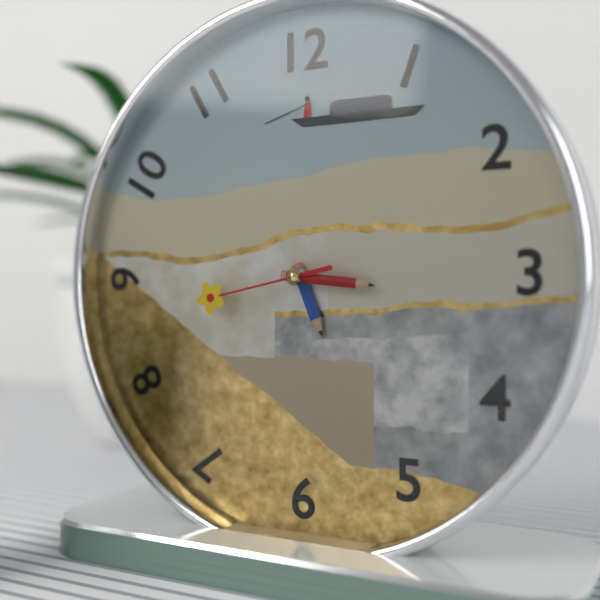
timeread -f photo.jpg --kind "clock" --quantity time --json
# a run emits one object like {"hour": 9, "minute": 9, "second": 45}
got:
{"hour": 5, "minute": 16, "second": 43}
